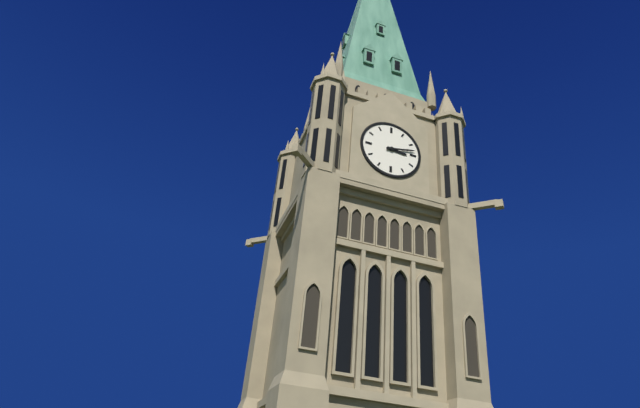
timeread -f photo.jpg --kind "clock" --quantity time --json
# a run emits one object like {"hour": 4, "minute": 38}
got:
{"hour": 3, "minute": 13}
